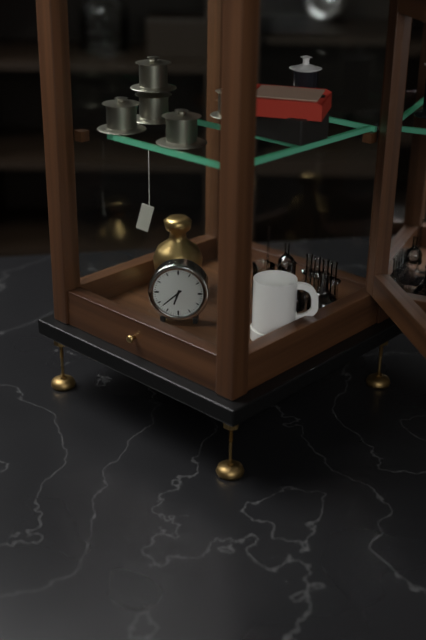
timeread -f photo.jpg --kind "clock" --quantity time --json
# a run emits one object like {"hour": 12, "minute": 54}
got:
{"hour": 6, "minute": 38}
